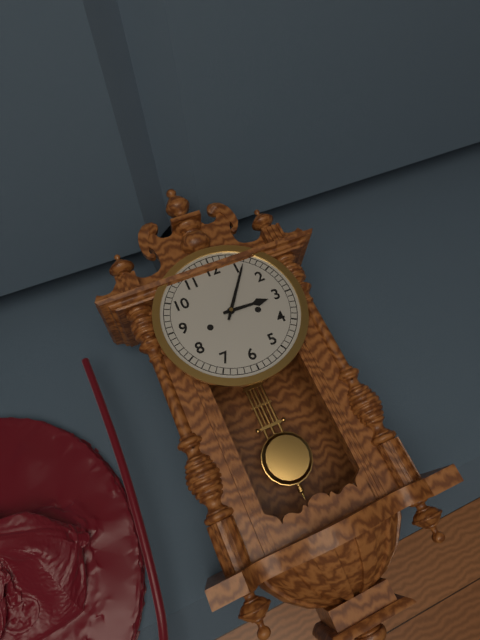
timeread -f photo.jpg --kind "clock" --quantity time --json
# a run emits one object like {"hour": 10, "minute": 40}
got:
{"hour": 3, "minute": 6}
